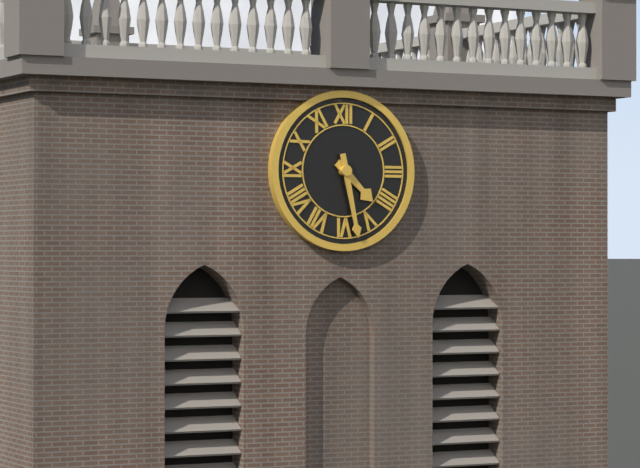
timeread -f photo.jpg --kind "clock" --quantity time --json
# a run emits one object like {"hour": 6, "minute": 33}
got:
{"hour": 4, "minute": 28}
